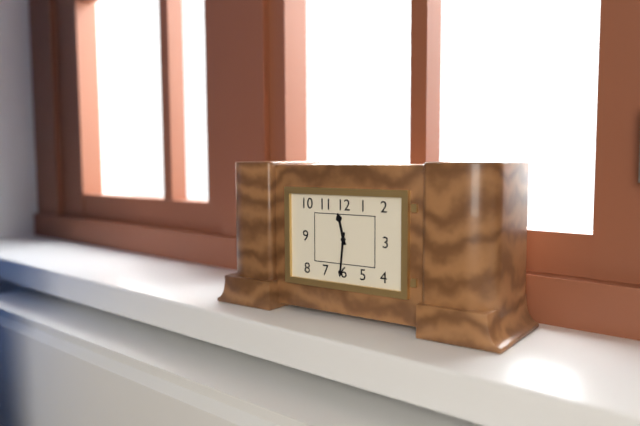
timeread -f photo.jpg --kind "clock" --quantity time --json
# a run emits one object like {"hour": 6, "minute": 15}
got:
{"hour": 11, "minute": 31}
